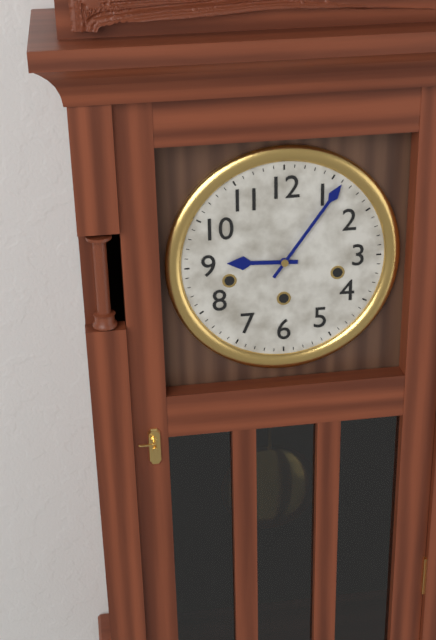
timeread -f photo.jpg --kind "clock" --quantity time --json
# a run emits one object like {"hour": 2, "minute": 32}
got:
{"hour": 9, "minute": 6}
